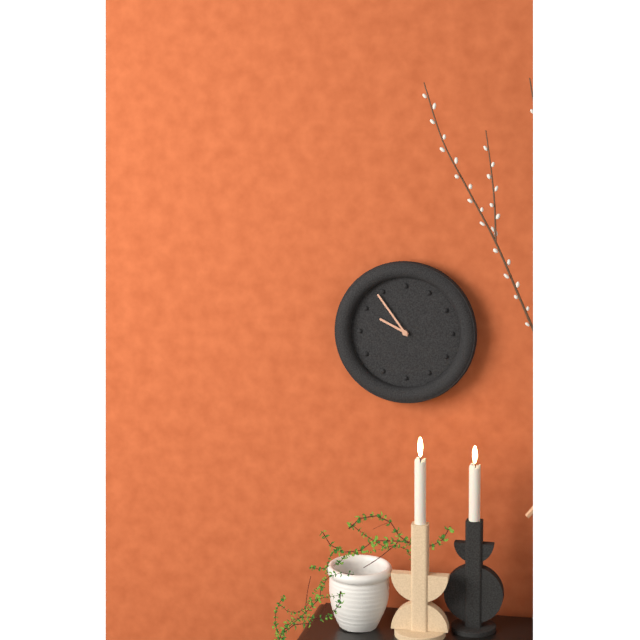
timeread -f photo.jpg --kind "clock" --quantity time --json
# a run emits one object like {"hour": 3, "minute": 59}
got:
{"hour": 9, "minute": 54}
